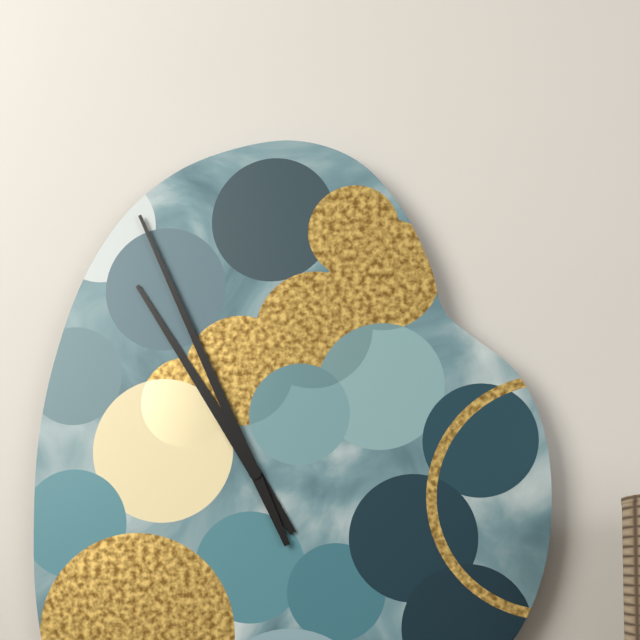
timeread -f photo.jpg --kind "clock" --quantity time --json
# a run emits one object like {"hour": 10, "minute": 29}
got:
{"hour": 10, "minute": 56}
